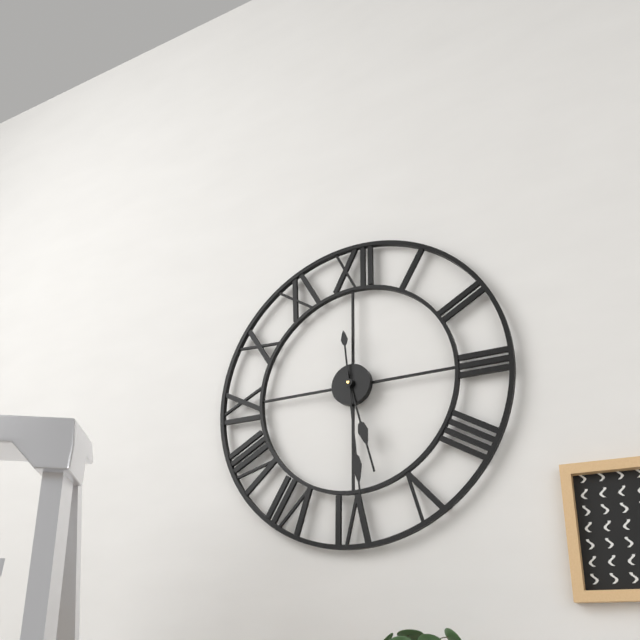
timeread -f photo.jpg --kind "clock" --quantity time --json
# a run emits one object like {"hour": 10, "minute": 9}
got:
{"hour": 5, "minute": 29}
